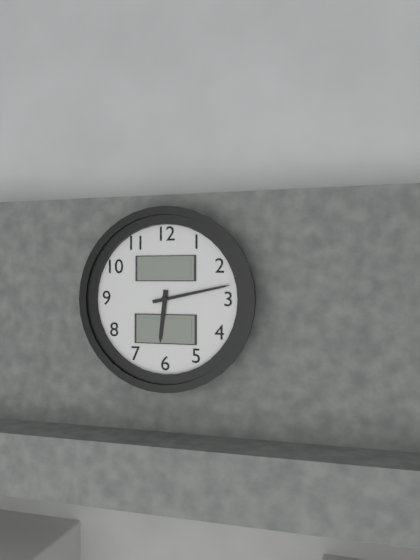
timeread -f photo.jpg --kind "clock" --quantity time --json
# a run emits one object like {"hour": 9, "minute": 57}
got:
{"hour": 6, "minute": 13}
